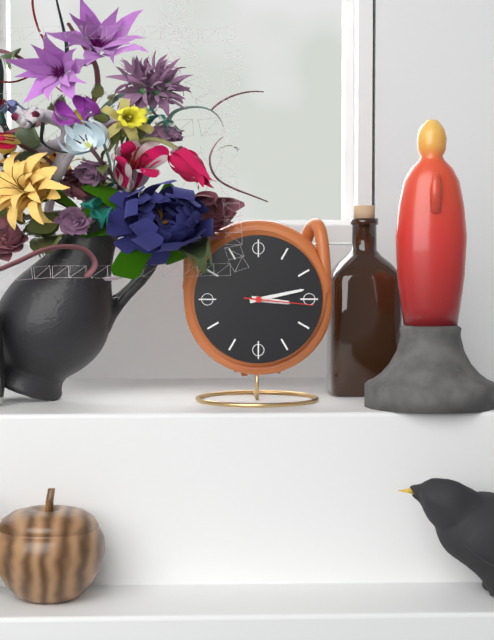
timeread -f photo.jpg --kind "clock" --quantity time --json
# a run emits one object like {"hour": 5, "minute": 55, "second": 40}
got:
{"hour": 3, "minute": 13, "second": 16}
